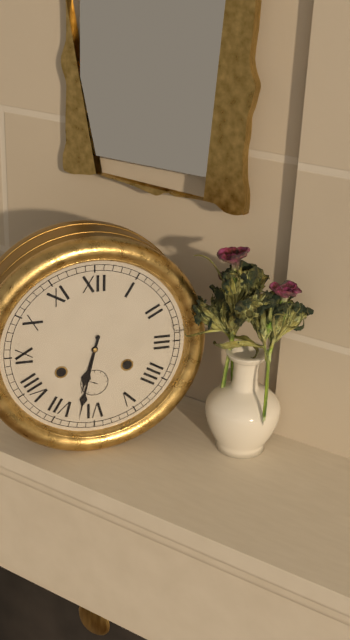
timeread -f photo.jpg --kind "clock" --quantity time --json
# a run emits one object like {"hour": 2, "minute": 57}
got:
{"hour": 6, "minute": 32}
